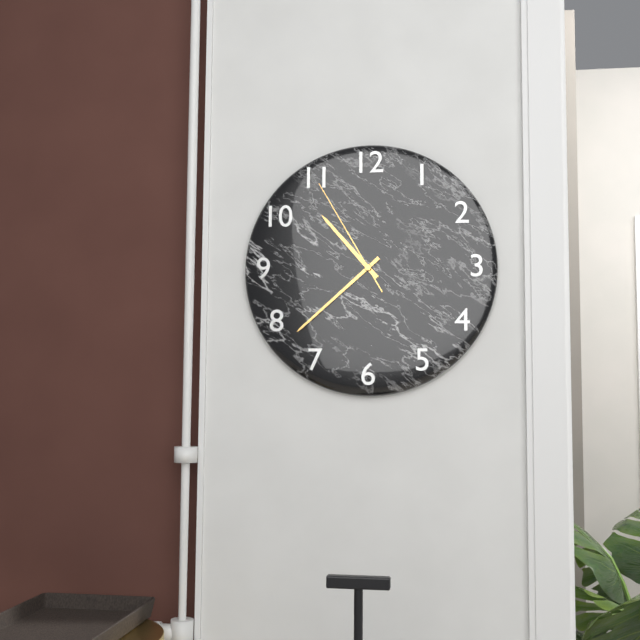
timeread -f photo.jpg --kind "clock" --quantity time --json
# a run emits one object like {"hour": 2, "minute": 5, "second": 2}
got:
{"hour": 10, "minute": 38, "second": 55}
